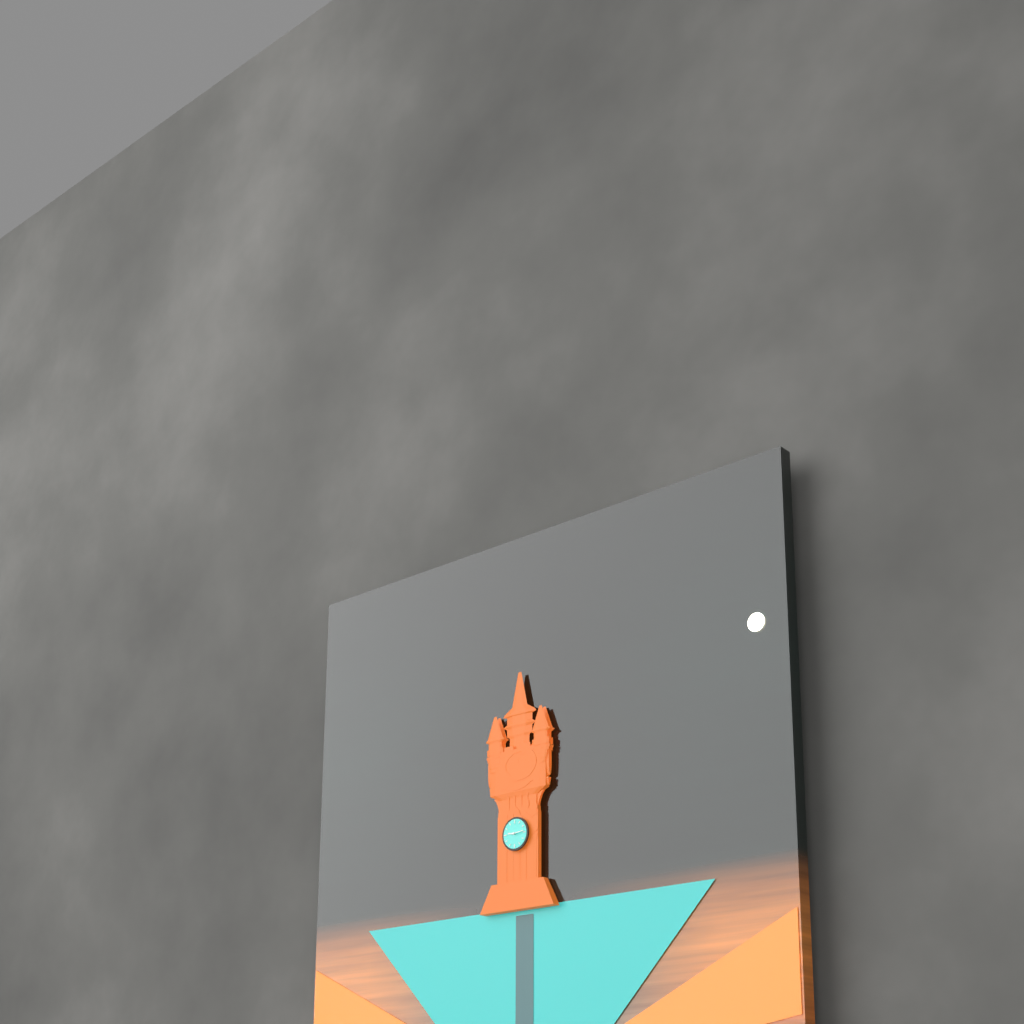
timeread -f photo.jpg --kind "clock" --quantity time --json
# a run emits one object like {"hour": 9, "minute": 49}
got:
{"hour": 9, "minute": 14}
